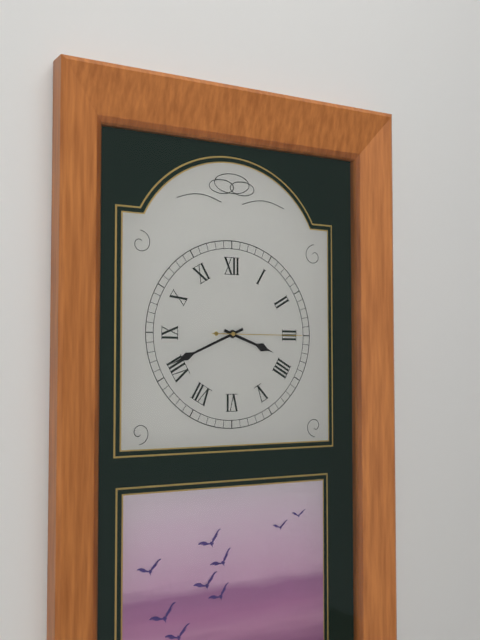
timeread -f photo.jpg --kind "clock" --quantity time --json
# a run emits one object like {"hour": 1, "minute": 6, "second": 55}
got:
{"hour": 3, "minute": 41, "second": 15}
